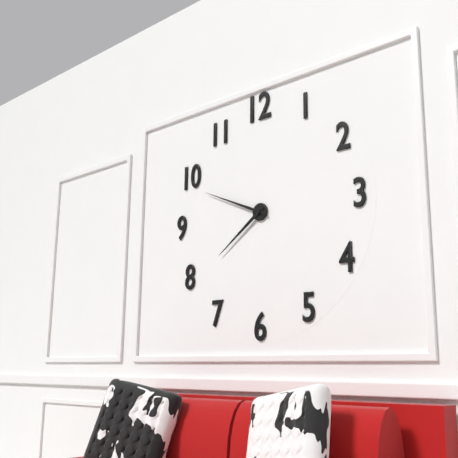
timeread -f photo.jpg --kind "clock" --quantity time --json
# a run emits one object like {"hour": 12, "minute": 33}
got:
{"hour": 7, "minute": 49}
